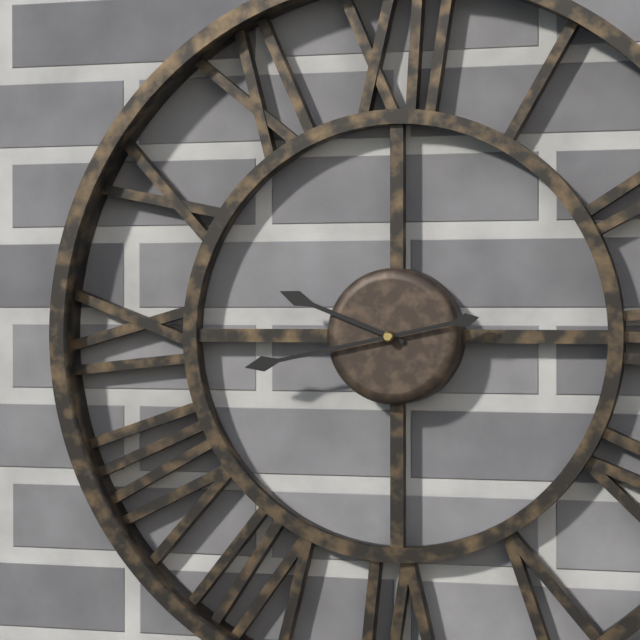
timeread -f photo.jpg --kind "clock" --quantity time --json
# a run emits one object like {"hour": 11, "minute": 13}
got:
{"hour": 9, "minute": 43}
